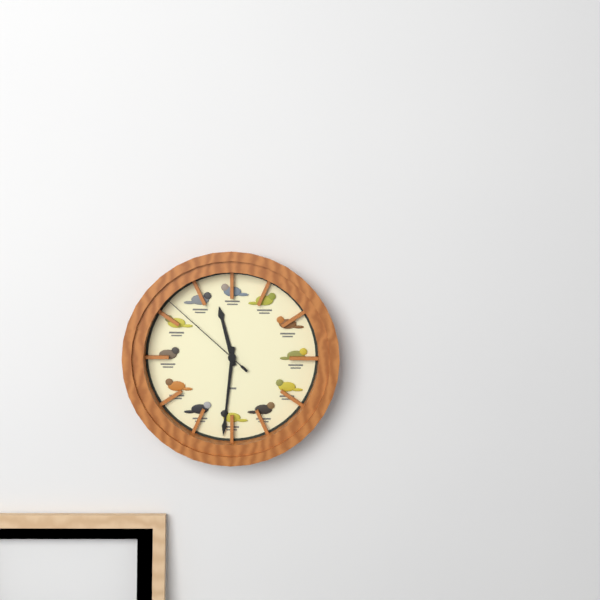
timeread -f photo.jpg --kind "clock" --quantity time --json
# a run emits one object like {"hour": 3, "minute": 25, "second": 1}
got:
{"hour": 11, "minute": 31, "second": 52}
